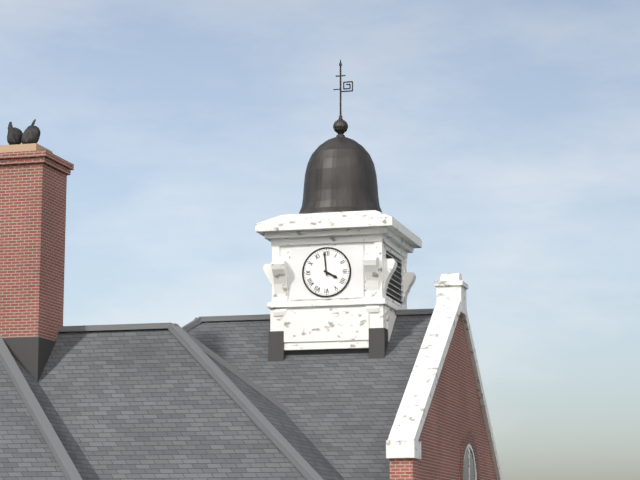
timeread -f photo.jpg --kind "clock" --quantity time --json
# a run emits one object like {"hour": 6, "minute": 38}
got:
{"hour": 3, "minute": 59}
